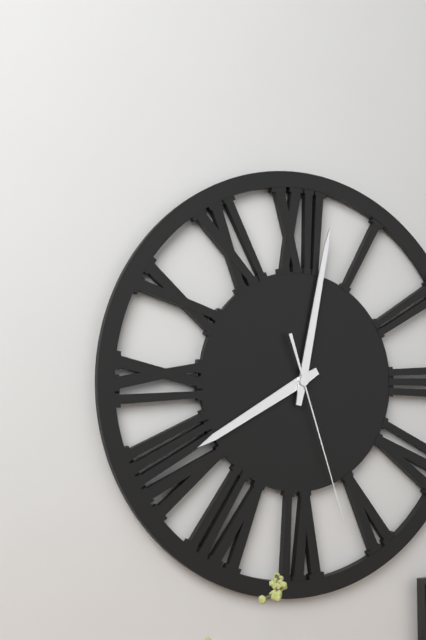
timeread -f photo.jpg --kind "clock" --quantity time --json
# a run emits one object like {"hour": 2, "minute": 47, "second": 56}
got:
{"hour": 8, "minute": 2, "second": 27}
